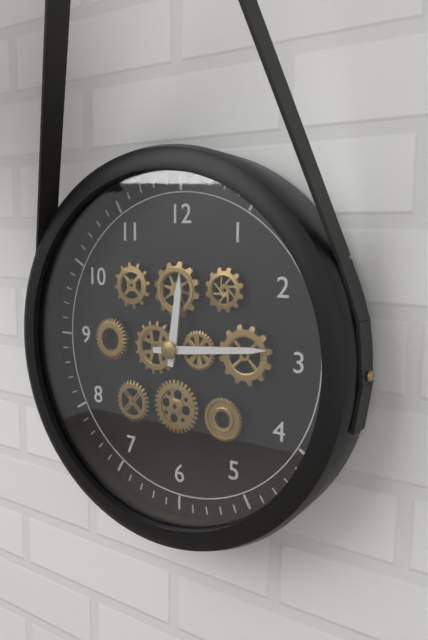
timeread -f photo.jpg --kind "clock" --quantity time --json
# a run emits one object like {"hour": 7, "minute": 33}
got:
{"hour": 12, "minute": 14}
